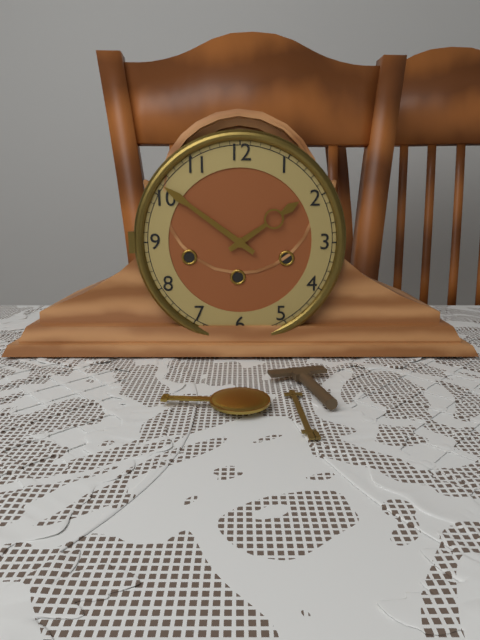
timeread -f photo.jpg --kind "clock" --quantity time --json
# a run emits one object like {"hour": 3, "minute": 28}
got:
{"hour": 1, "minute": 51}
